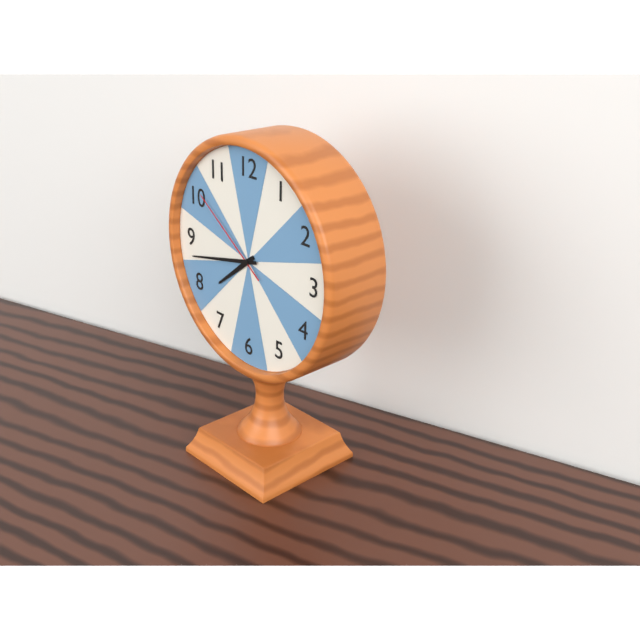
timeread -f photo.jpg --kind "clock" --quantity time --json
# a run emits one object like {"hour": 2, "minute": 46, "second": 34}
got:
{"hour": 7, "minute": 43, "second": 51}
